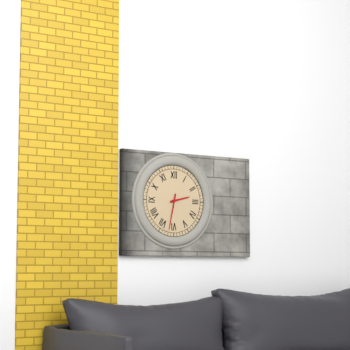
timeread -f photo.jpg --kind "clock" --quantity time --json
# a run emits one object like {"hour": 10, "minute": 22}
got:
{"hour": 2, "minute": 32}
